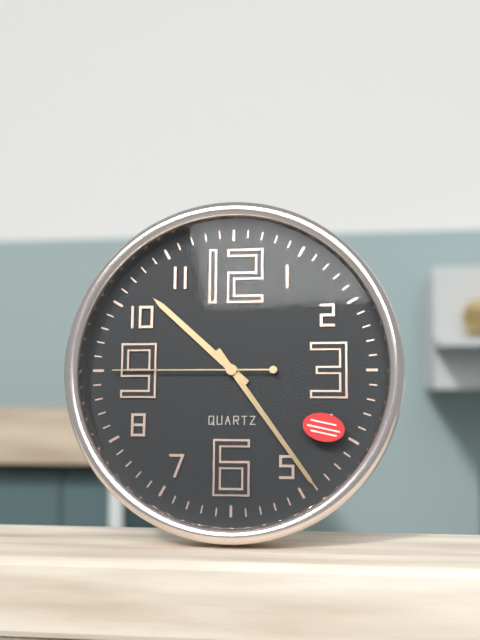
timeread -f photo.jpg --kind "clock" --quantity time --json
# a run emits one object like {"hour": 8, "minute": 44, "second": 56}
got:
{"hour": 10, "minute": 24, "second": 45}
